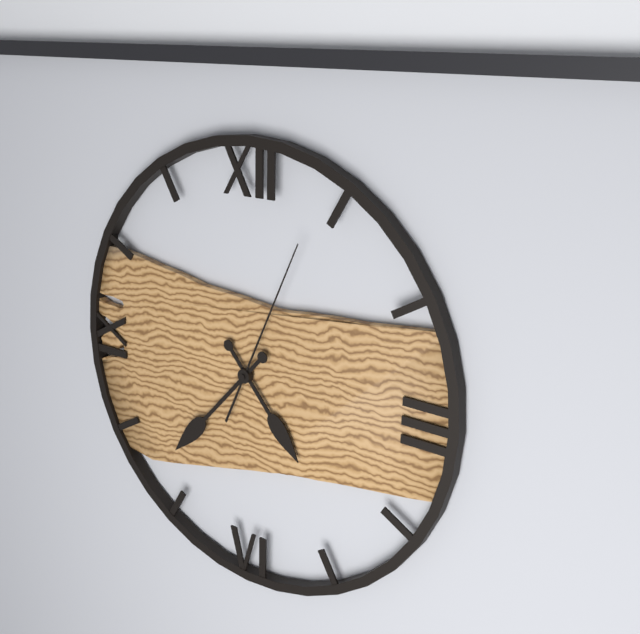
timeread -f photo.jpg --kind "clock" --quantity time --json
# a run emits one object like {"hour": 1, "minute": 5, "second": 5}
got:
{"hour": 4, "minute": 37, "second": 4}
